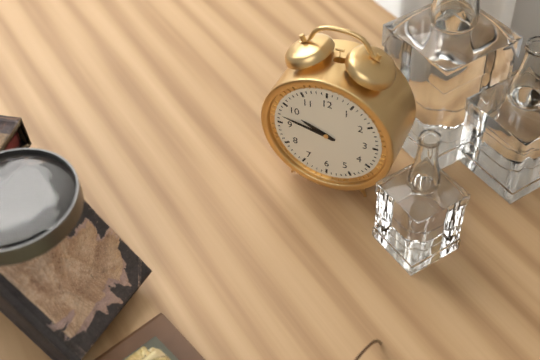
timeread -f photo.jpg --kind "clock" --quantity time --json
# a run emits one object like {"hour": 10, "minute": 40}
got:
{"hour": 9, "minute": 47}
